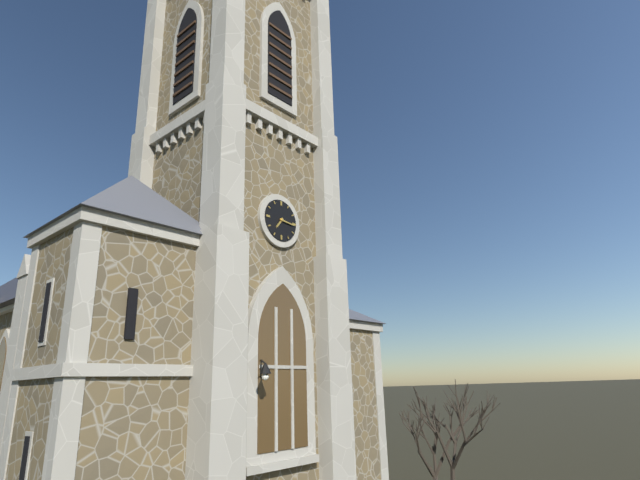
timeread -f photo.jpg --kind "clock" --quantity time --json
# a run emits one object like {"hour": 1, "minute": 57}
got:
{"hour": 7, "minute": 16}
